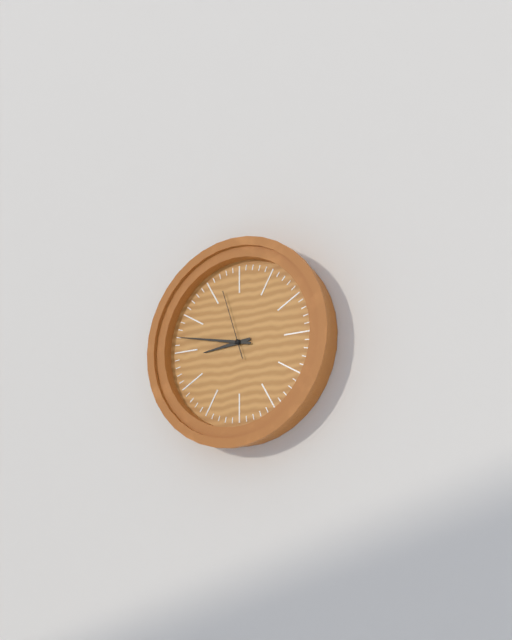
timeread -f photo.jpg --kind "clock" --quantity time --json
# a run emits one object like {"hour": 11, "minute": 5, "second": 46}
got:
{"hour": 8, "minute": 47, "second": 57}
